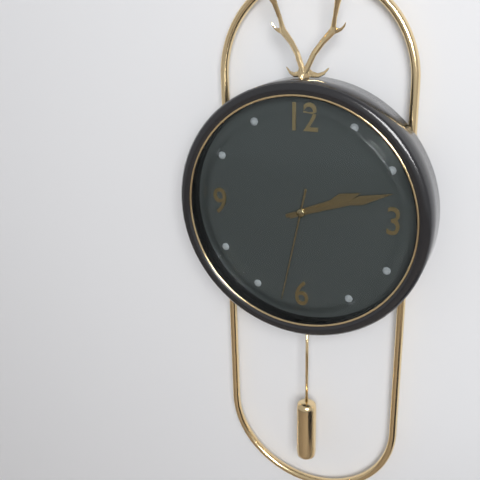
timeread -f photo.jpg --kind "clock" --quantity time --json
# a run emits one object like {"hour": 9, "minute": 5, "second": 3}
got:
{"hour": 2, "minute": 12, "second": 32}
